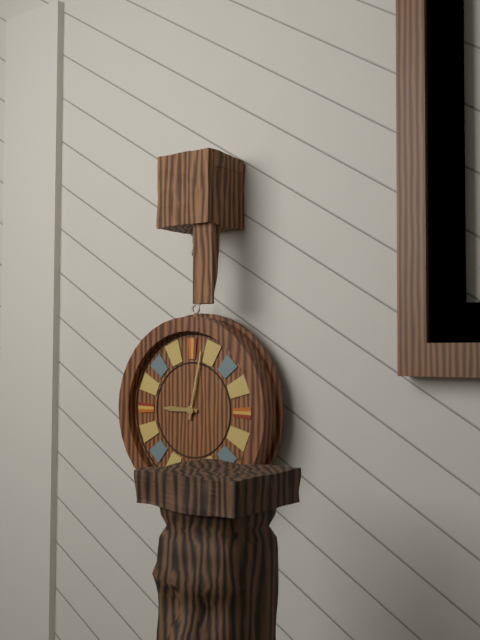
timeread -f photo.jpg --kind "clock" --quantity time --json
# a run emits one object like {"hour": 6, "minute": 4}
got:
{"hour": 9, "minute": 2}
